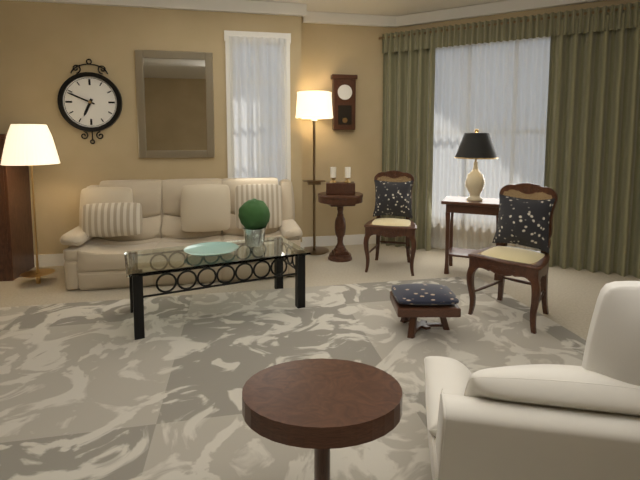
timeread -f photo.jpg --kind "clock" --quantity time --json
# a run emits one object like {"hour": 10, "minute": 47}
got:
{"hour": 6, "minute": 49}
